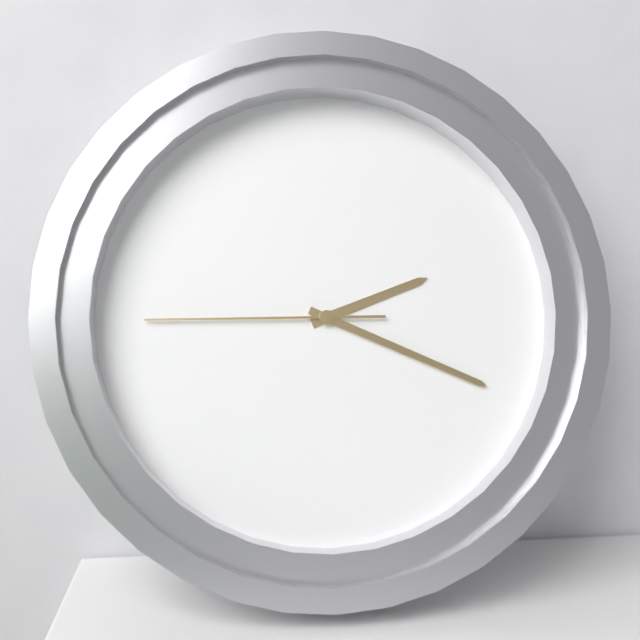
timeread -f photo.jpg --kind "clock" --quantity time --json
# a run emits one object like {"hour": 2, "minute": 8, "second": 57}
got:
{"hour": 2, "minute": 19, "second": 45}
